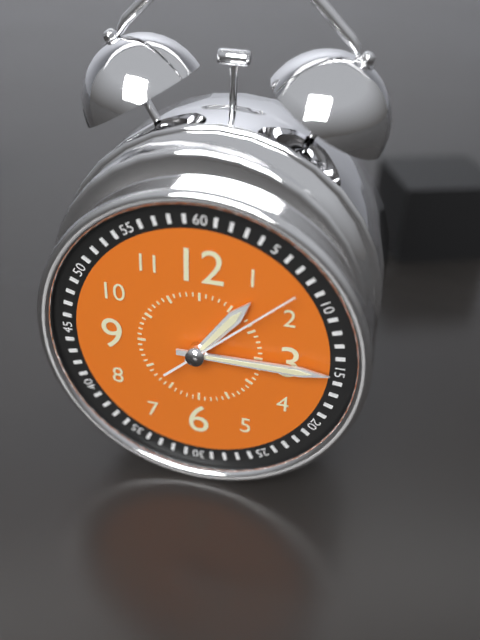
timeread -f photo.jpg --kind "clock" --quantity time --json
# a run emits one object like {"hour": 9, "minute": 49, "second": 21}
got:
{"hour": 1, "minute": 15, "second": 8}
